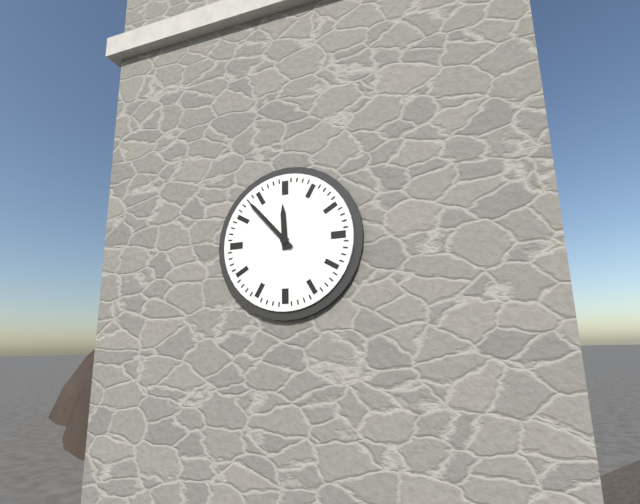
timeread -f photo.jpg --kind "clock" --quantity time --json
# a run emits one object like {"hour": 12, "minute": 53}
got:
{"hour": 11, "minute": 53}
